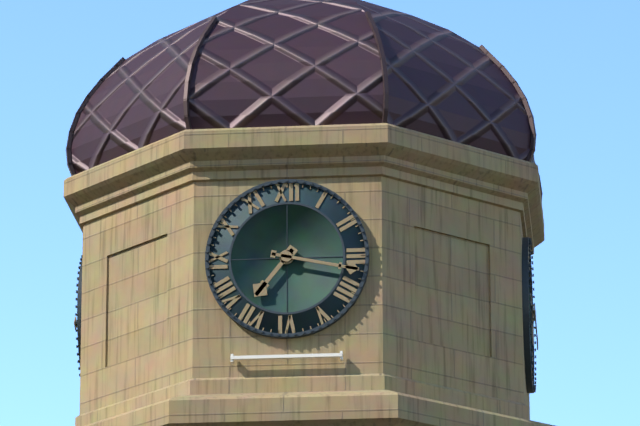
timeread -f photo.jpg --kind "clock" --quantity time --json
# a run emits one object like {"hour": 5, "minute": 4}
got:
{"hour": 7, "minute": 17}
